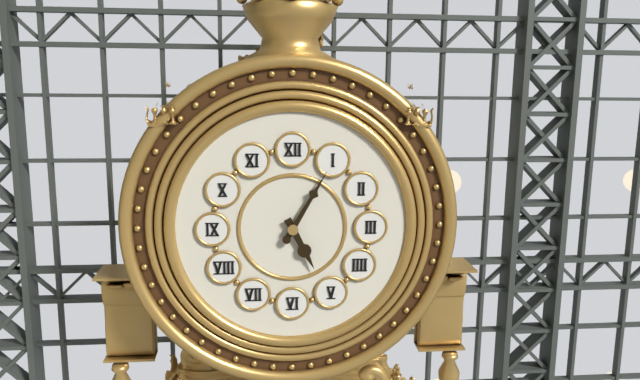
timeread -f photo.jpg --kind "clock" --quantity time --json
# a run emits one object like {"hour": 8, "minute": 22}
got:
{"hour": 5, "minute": 5}
